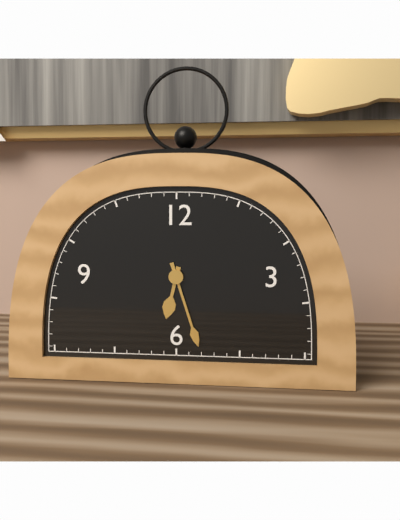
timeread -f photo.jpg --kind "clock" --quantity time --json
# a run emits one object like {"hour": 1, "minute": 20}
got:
{"hour": 6, "minute": 27}
